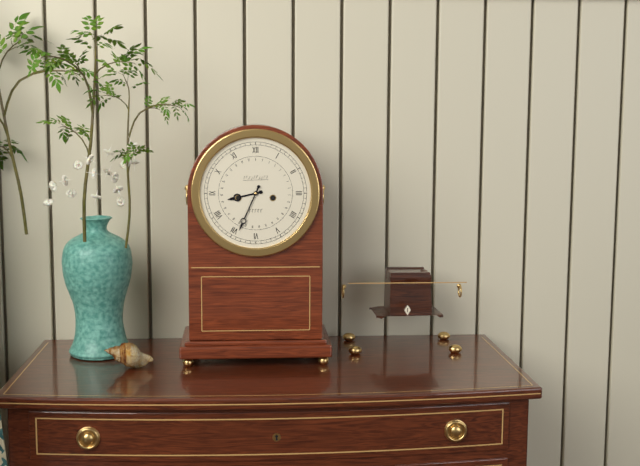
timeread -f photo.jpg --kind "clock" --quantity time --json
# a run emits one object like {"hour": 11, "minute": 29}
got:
{"hour": 8, "minute": 34}
